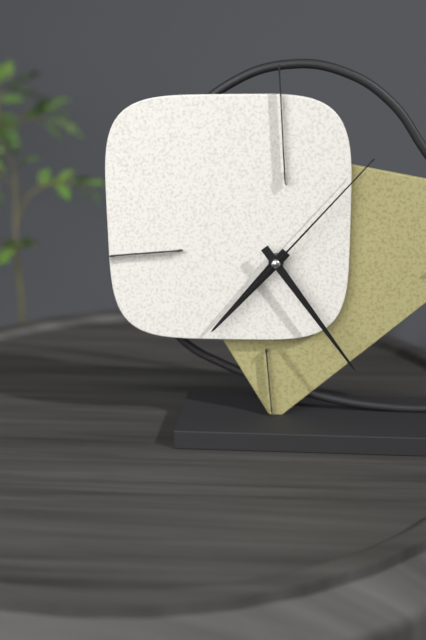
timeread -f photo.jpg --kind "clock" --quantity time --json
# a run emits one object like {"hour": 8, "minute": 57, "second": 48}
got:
{"hour": 7, "minute": 24, "second": 7}
